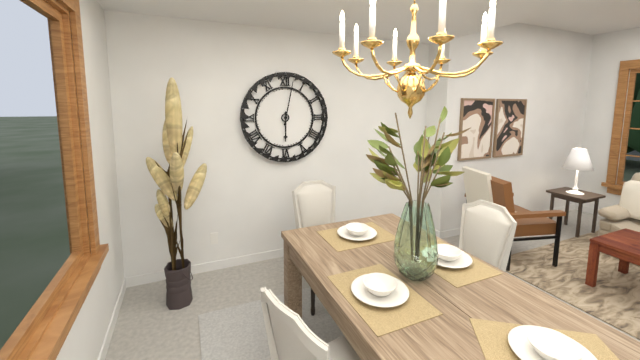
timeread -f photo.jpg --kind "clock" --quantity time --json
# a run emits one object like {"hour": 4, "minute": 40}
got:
{"hour": 6, "minute": 2}
